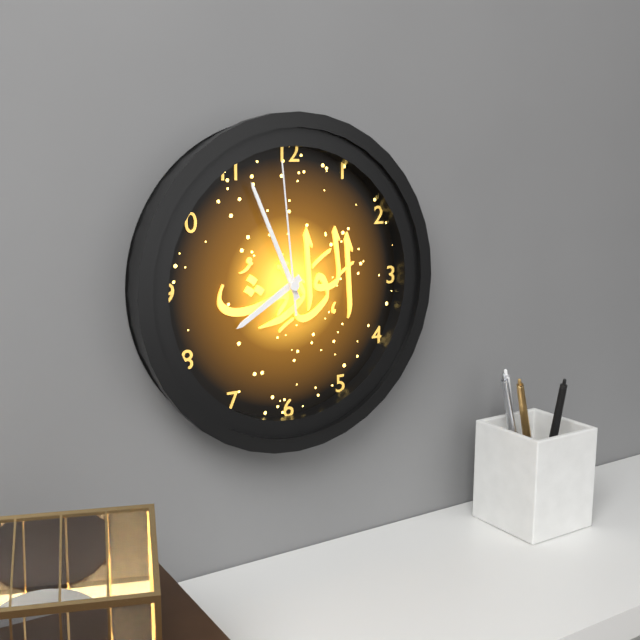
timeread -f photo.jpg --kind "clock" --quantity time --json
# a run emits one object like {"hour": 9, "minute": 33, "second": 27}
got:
{"hour": 7, "minute": 56, "second": 59}
